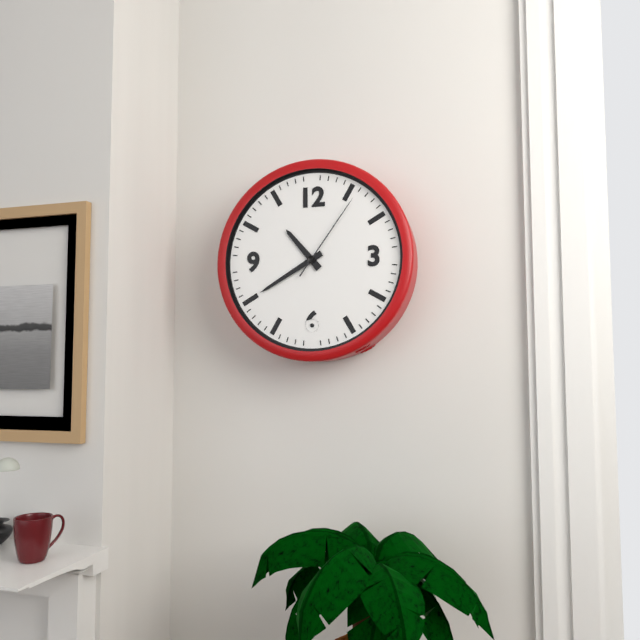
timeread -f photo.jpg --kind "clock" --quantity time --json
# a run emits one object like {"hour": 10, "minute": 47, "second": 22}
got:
{"hour": 10, "minute": 40, "second": 6}
